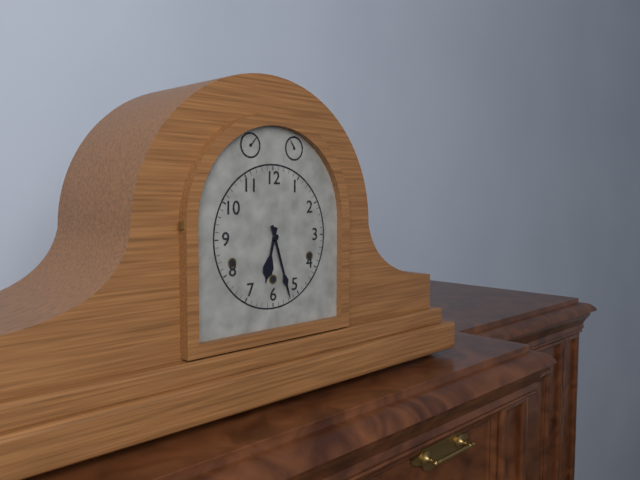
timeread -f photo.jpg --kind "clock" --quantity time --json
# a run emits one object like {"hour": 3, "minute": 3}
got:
{"hour": 6, "minute": 27}
